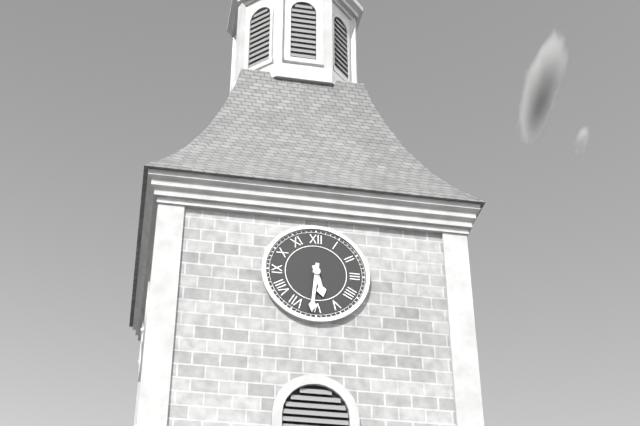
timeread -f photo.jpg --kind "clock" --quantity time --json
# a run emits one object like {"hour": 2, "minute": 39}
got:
{"hour": 5, "minute": 31}
